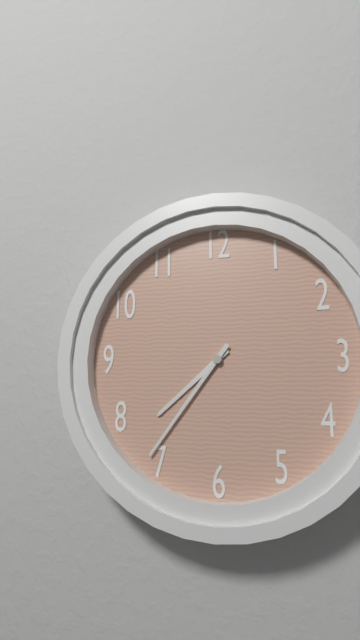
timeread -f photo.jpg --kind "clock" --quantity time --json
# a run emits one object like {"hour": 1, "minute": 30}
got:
{"hour": 7, "minute": 36}
